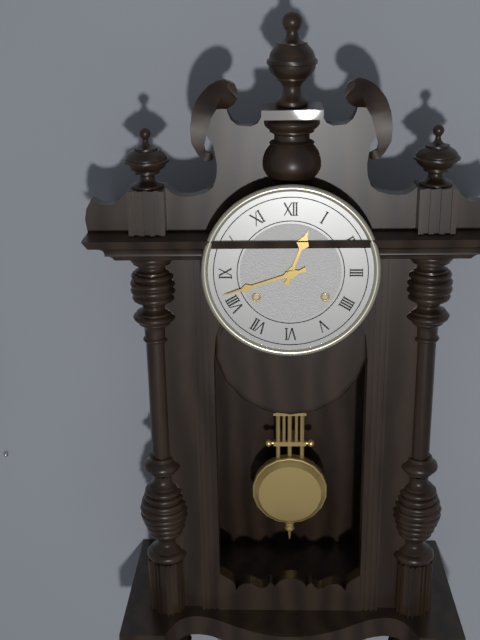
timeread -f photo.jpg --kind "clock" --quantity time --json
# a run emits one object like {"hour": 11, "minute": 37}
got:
{"hour": 12, "minute": 42}
